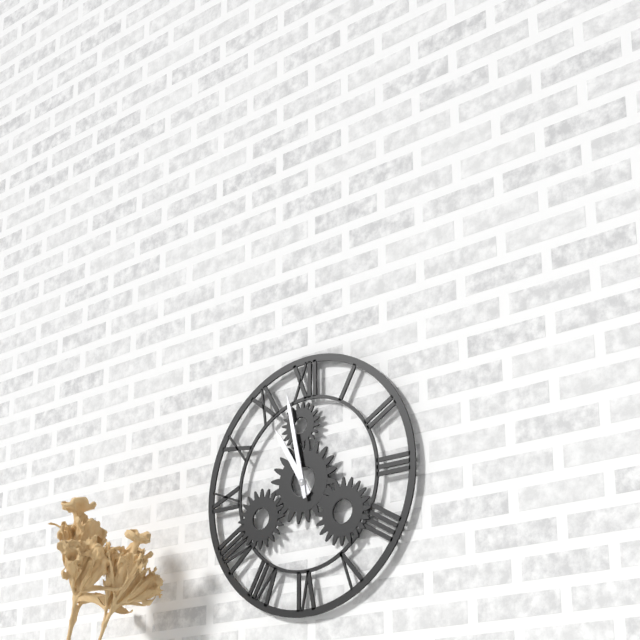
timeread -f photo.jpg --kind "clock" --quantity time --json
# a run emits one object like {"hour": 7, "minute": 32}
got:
{"hour": 10, "minute": 58}
